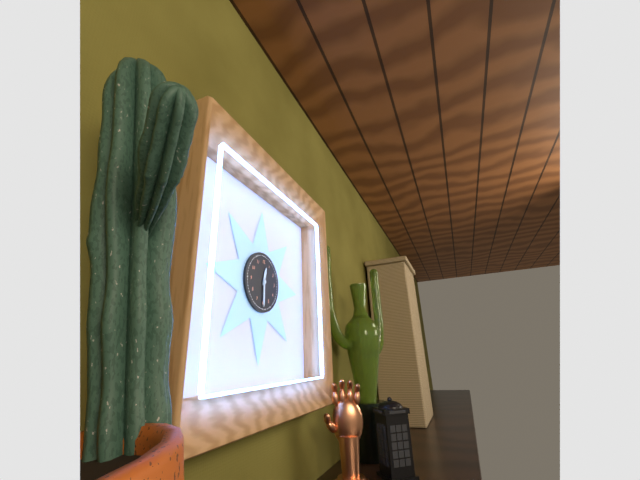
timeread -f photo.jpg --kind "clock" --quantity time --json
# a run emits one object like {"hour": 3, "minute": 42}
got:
{"hour": 12, "minute": 30}
